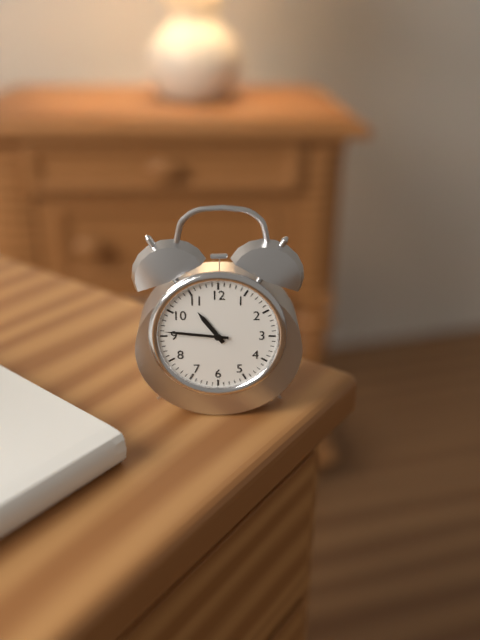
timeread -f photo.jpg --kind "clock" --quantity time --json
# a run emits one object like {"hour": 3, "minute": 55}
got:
{"hour": 10, "minute": 46}
